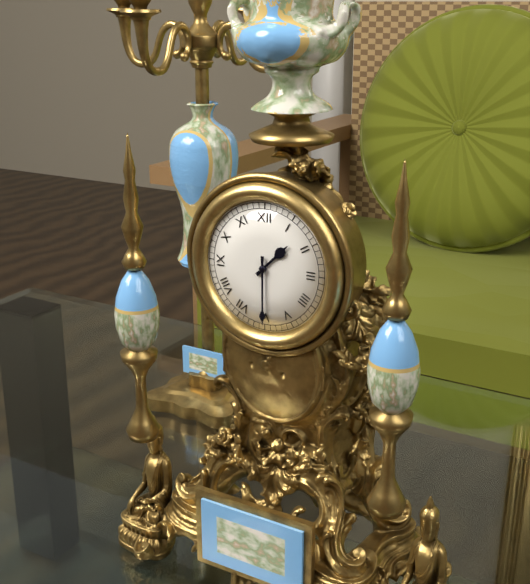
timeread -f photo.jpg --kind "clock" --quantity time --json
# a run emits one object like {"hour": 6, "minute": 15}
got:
{"hour": 1, "minute": 30}
